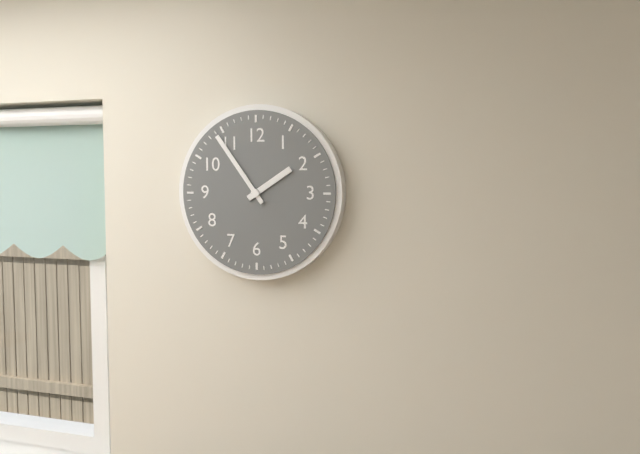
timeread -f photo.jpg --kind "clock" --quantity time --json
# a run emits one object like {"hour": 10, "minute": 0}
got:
{"hour": 1, "minute": 54}
